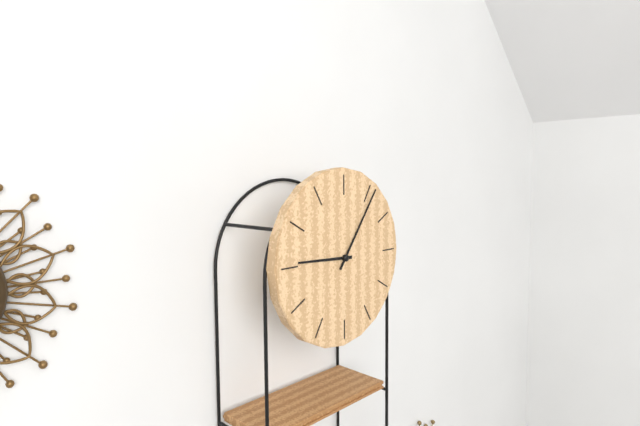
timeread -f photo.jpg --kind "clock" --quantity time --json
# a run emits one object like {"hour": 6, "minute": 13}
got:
{"hour": 9, "minute": 6}
